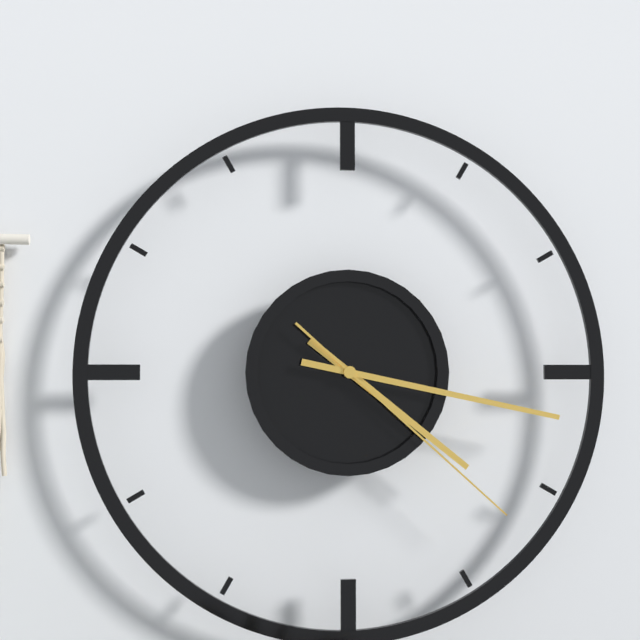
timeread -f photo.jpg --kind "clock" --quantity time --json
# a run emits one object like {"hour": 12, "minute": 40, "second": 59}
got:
{"hour": 4, "minute": 17, "second": 22}
